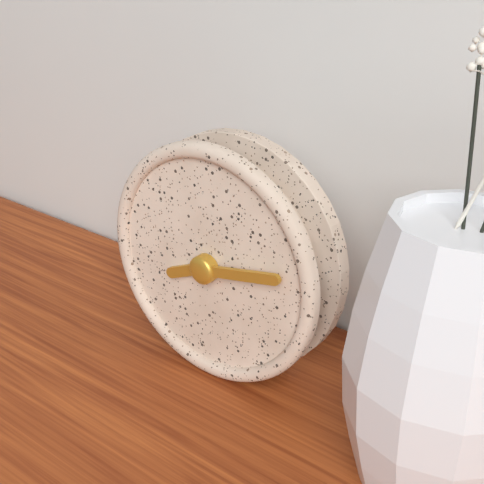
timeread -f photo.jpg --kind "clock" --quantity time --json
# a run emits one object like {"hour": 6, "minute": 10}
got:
{"hour": 8, "minute": 13}
